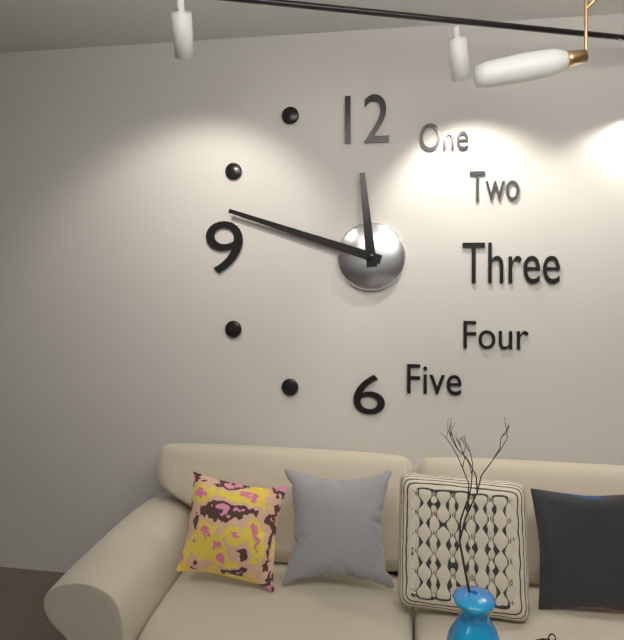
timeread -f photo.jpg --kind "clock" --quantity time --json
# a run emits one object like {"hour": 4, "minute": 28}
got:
{"hour": 11, "minute": 48}
